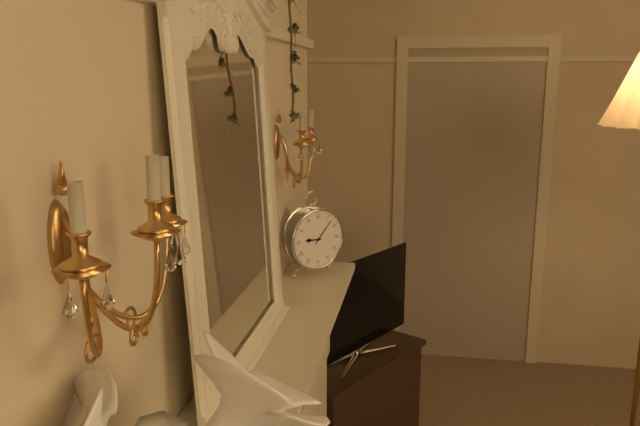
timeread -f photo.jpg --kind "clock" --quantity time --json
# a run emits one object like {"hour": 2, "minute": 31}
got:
{"hour": 9, "minute": 7}
